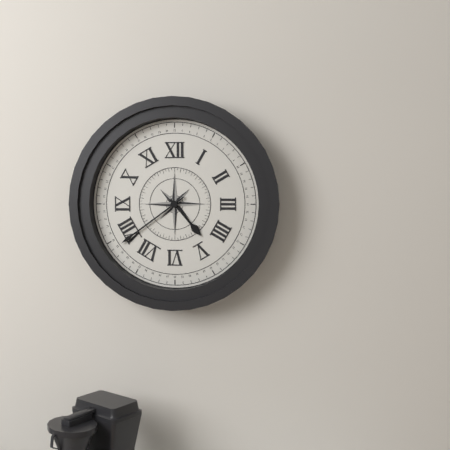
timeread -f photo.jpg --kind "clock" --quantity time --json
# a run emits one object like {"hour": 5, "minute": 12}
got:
{"hour": 4, "minute": 39}
